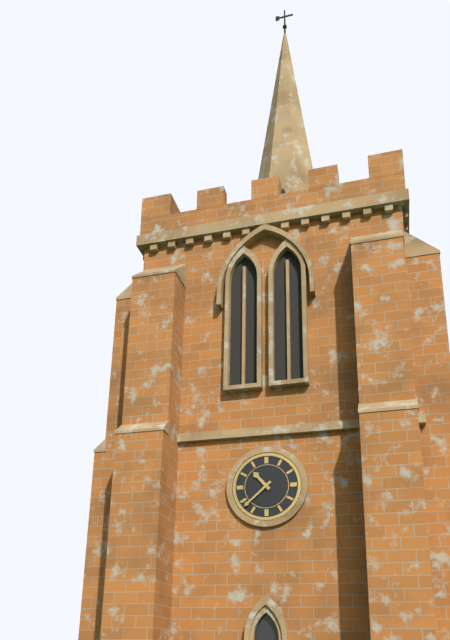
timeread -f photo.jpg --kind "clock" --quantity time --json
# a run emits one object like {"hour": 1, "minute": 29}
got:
{"hour": 10, "minute": 38}
